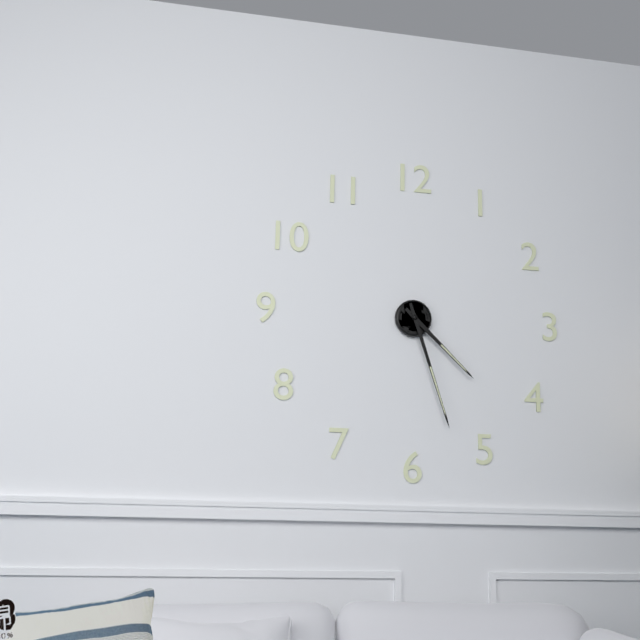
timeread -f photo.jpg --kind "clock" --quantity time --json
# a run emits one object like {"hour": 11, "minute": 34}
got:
{"hour": 4, "minute": 27}
